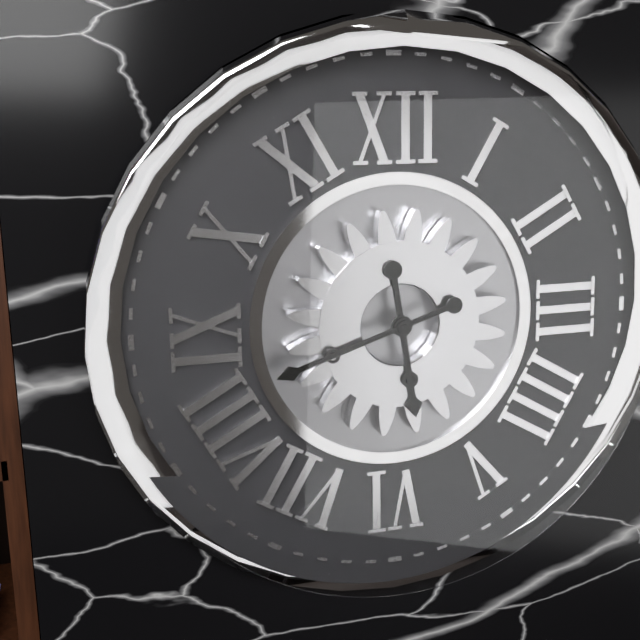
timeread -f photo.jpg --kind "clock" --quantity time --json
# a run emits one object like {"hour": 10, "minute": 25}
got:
{"hour": 5, "minute": 42}
